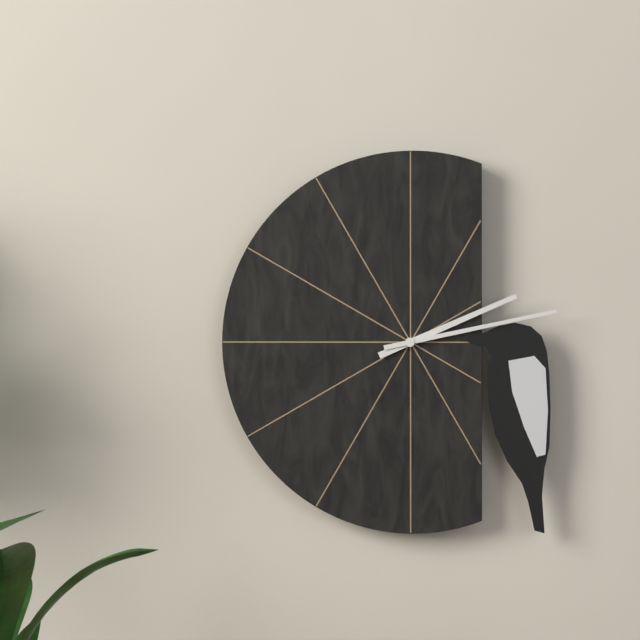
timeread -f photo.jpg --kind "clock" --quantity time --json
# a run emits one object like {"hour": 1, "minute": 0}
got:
{"hour": 2, "minute": 13}
